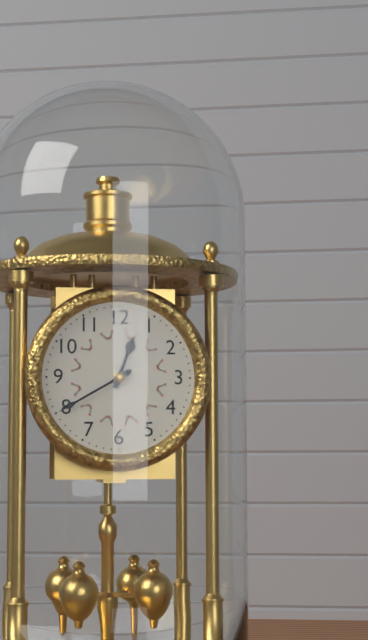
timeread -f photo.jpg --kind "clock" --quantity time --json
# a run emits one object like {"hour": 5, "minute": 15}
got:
{"hour": 12, "minute": 40}
